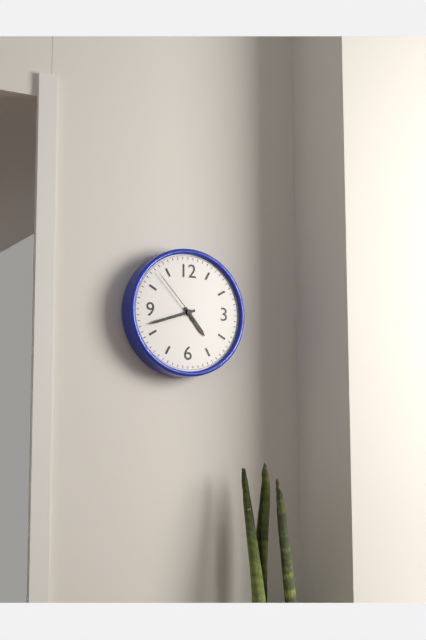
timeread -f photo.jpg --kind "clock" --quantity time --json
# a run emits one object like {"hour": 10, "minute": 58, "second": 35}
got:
{"hour": 4, "minute": 42, "second": 53}
